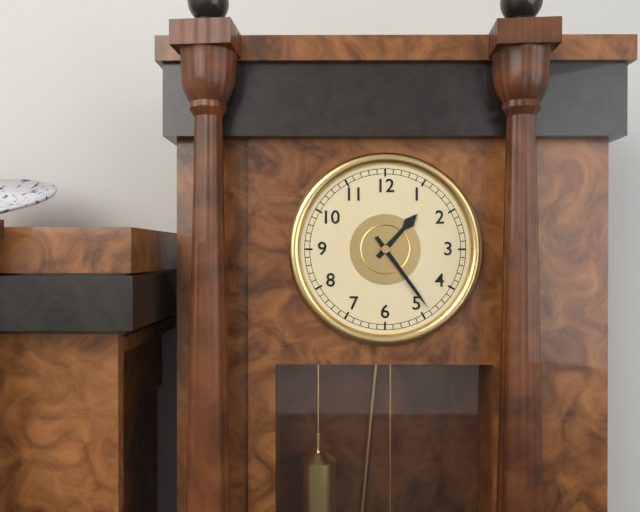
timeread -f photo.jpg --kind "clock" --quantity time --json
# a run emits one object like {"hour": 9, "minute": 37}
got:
{"hour": 1, "minute": 24}
